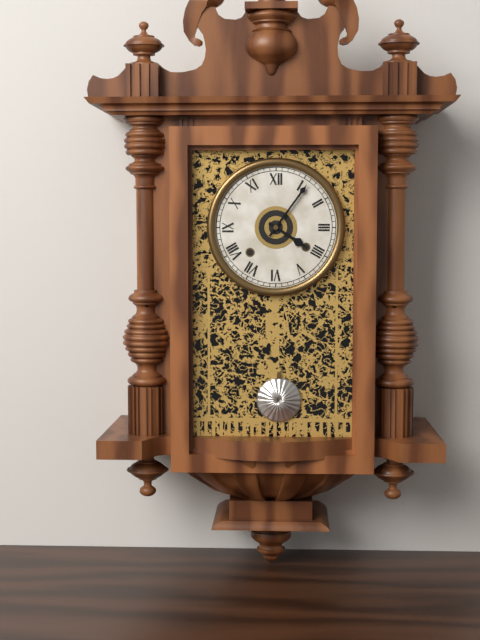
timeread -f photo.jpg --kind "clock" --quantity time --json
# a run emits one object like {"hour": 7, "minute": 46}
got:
{"hour": 4, "minute": 6}
